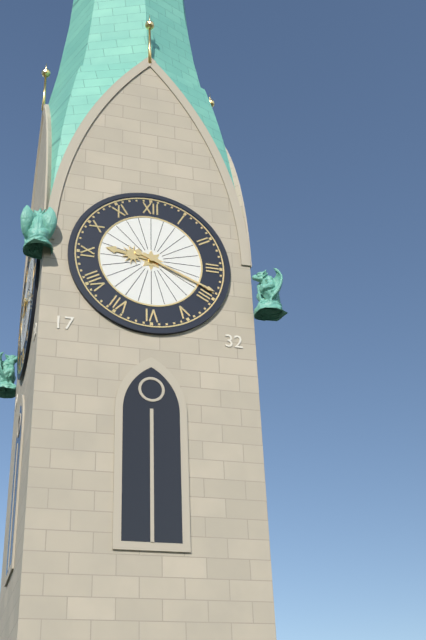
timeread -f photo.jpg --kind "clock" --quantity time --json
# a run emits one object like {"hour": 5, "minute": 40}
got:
{"hour": 9, "minute": 19}
